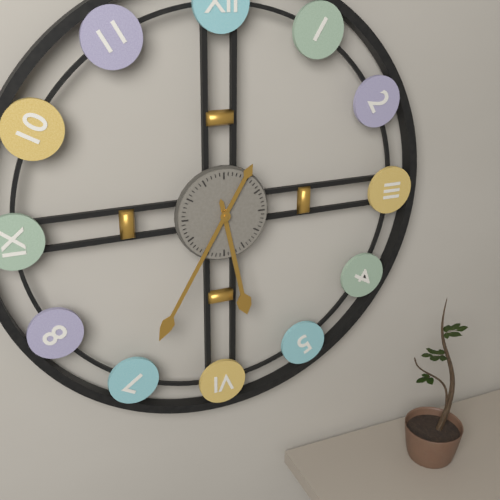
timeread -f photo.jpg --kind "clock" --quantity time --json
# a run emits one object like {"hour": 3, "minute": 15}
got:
{"hour": 5, "minute": 35}
